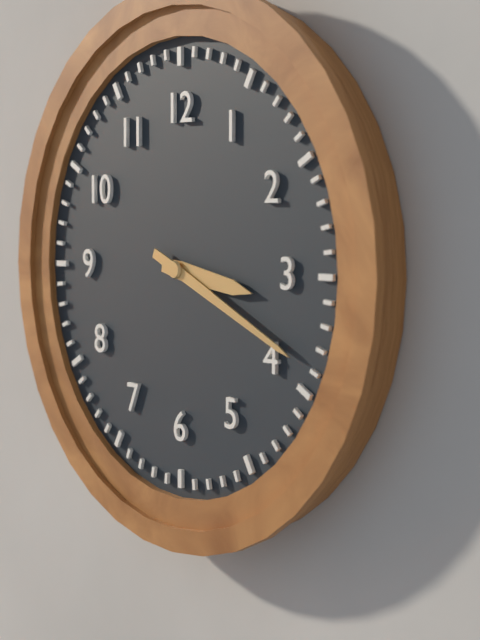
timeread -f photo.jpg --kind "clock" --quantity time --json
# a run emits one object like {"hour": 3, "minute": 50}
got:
{"hour": 3, "minute": 19}
